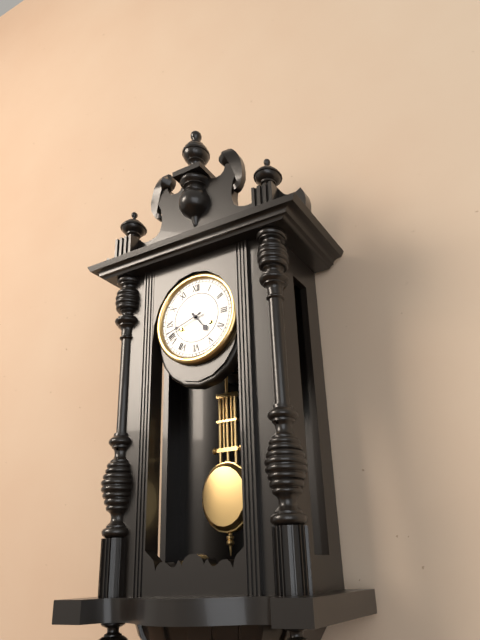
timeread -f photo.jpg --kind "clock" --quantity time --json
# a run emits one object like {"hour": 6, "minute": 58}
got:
{"hour": 4, "minute": 42}
